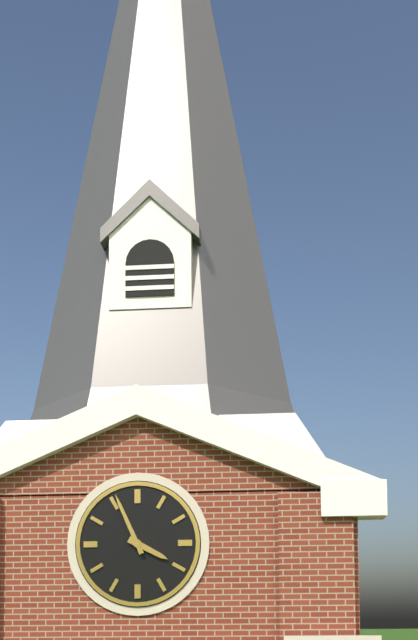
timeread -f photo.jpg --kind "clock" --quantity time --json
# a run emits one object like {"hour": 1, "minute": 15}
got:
{"hour": 3, "minute": 56}
